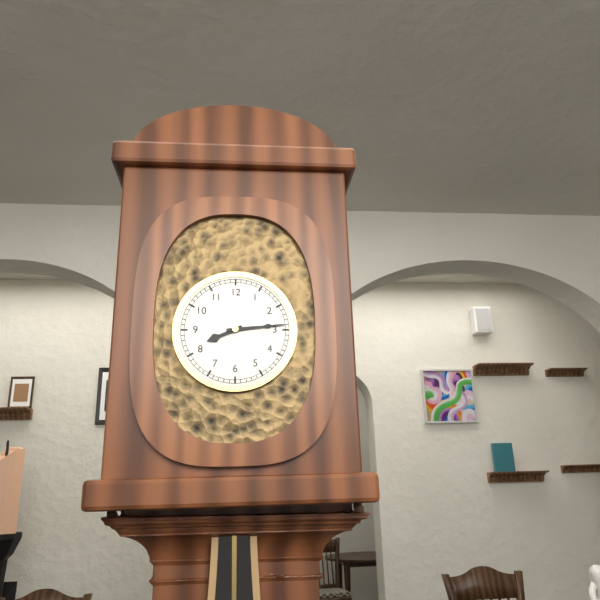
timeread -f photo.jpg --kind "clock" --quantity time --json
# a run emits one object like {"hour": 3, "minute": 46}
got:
{"hour": 8, "minute": 14}
